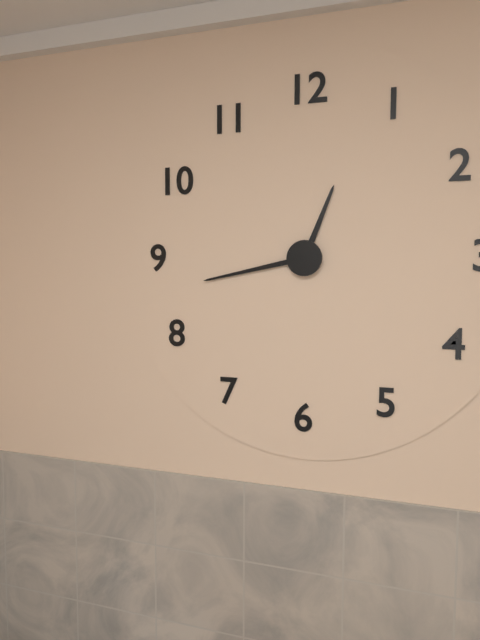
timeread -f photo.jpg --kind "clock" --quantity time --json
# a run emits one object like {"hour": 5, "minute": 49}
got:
{"hour": 12, "minute": 43}
